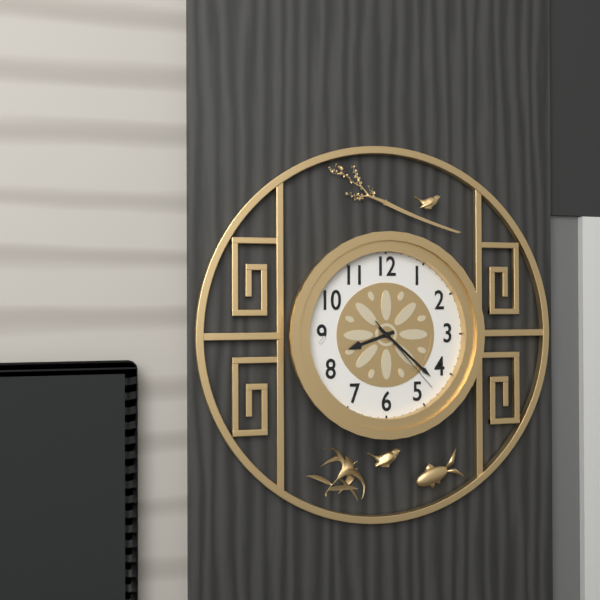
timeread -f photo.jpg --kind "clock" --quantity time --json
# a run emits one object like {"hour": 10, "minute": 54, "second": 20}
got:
{"hour": 8, "minute": 22, "second": 23}
